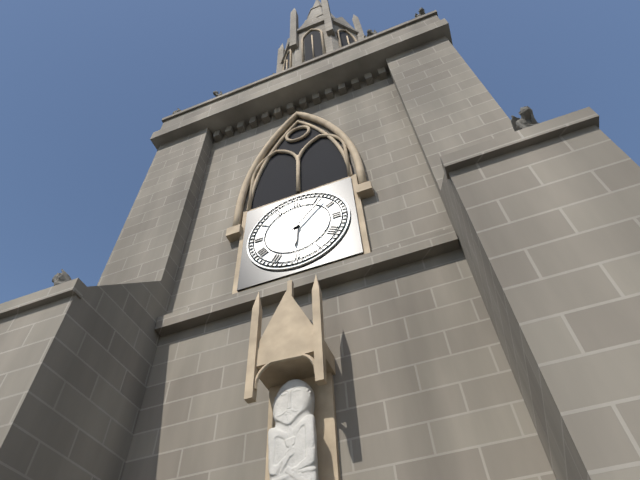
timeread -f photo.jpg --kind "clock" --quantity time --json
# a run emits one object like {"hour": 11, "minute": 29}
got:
{"hour": 6, "minute": 7}
